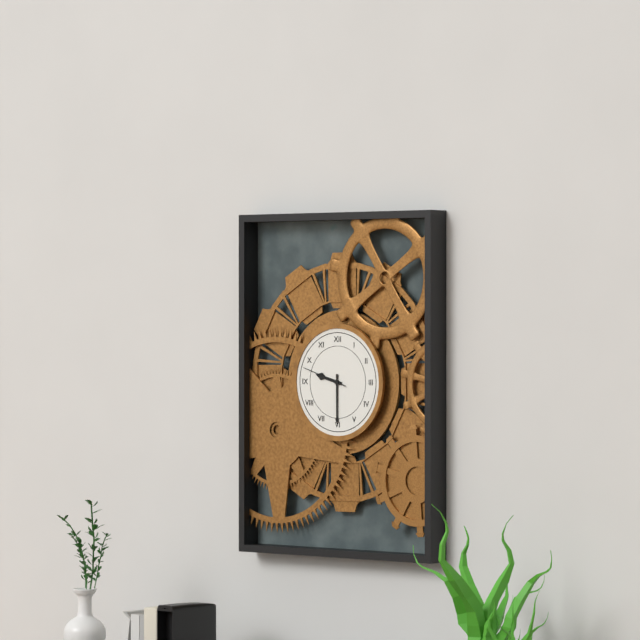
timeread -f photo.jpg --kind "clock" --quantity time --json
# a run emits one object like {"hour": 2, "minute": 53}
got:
{"hour": 9, "minute": 30}
